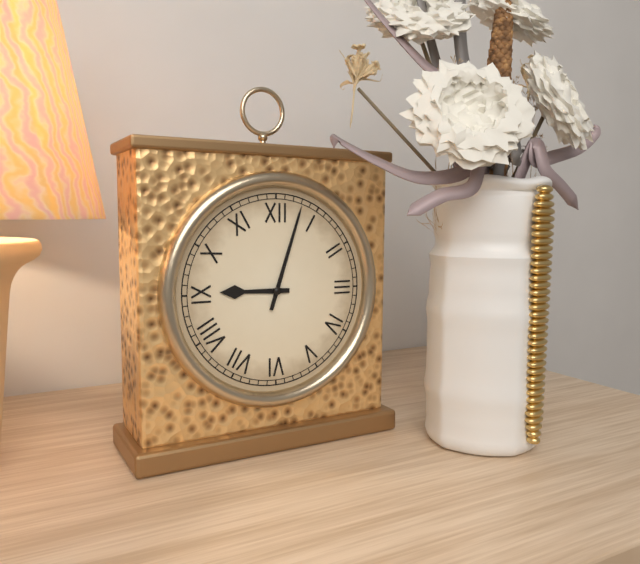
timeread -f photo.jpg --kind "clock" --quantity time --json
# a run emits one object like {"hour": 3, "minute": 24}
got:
{"hour": 9, "minute": 3}
